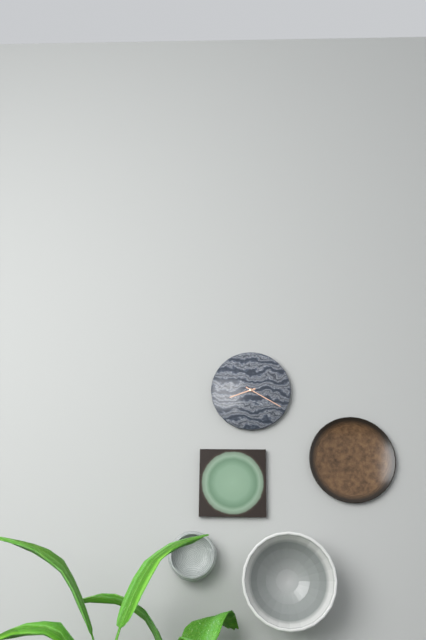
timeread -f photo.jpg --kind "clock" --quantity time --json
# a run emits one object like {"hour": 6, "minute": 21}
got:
{"hour": 8, "minute": 20}
